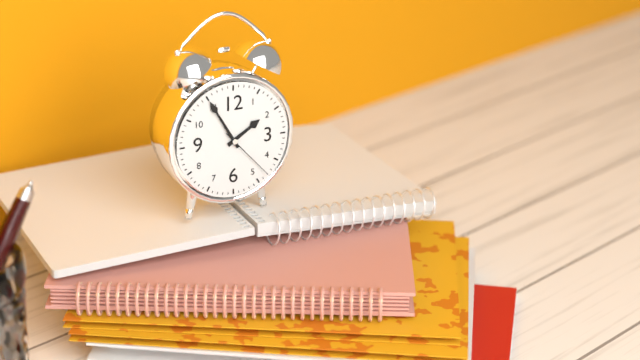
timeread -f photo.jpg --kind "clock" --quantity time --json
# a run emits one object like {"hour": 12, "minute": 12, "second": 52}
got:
{"hour": 1, "minute": 55, "second": 23}
